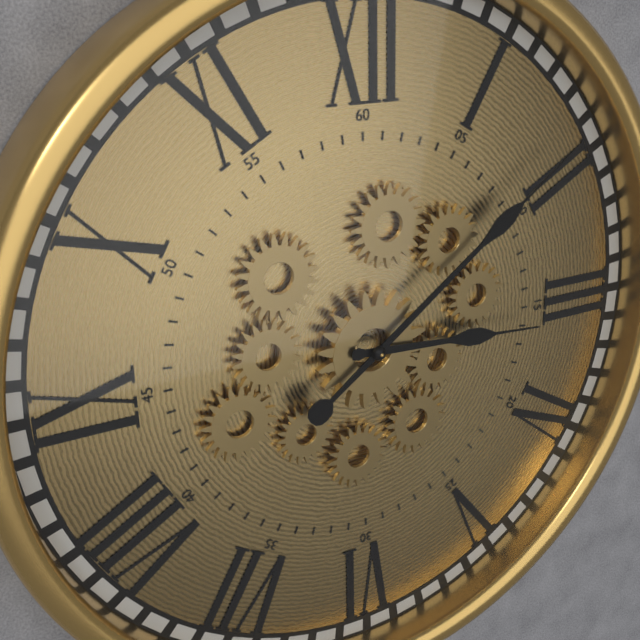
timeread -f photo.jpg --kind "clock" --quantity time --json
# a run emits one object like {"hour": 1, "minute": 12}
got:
{"hour": 3, "minute": 9}
